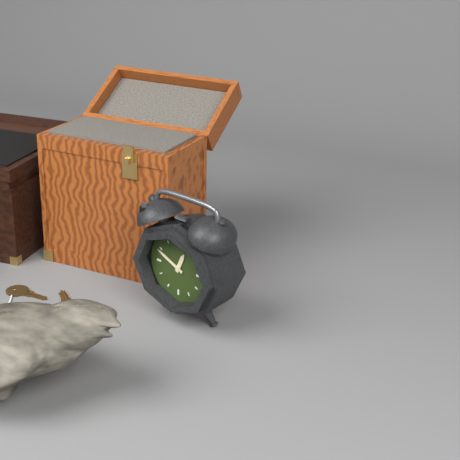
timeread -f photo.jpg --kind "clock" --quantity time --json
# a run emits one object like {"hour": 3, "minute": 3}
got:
{"hour": 12, "minute": 49}
